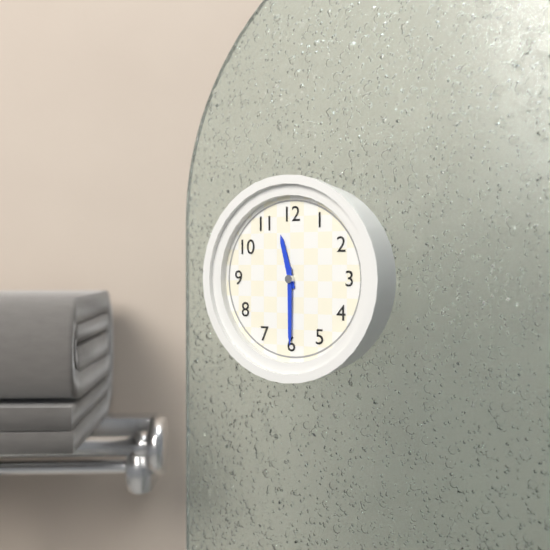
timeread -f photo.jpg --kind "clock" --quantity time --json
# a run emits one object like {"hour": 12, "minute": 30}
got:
{"hour": 11, "minute": 30}
